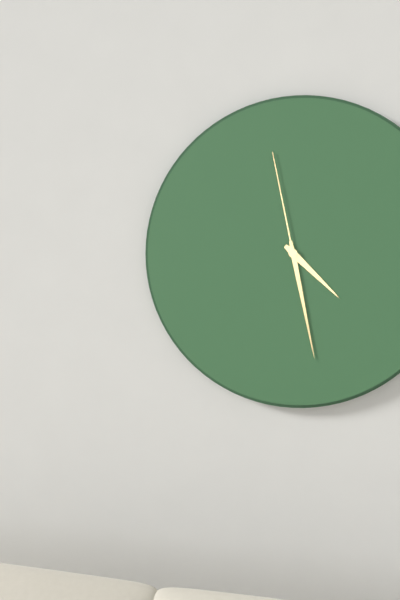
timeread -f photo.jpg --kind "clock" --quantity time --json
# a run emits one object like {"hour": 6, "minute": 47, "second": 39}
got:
{"hour": 4, "minute": 28, "second": 58}
